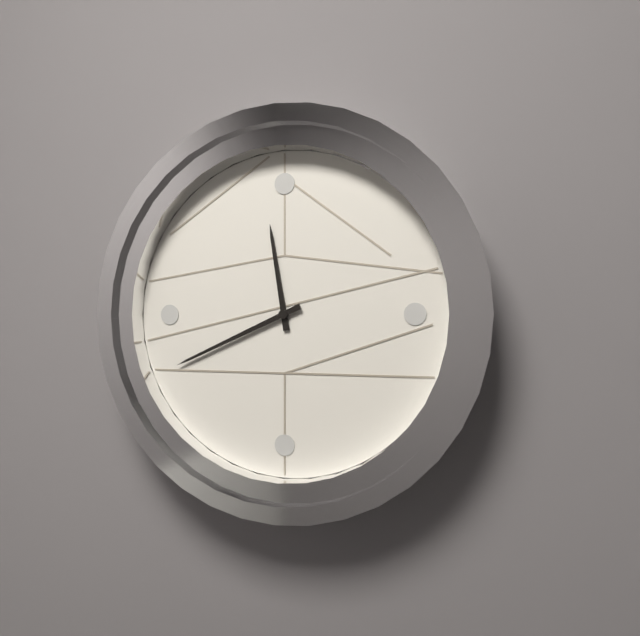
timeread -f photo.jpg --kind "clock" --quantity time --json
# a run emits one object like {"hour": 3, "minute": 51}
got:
{"hour": 11, "minute": 41}
